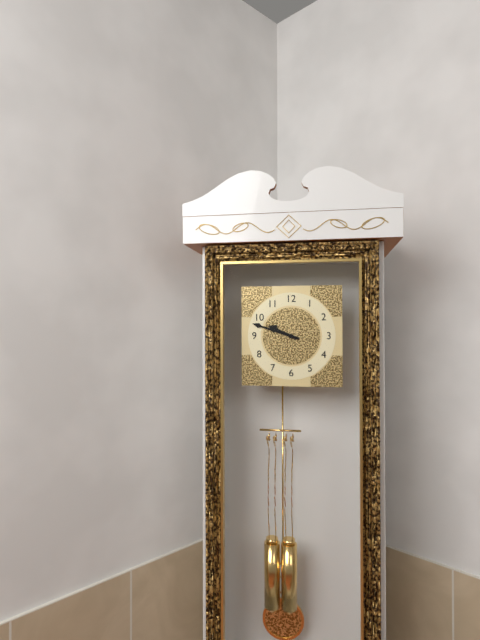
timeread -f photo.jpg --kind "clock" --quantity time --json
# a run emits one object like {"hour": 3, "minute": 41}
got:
{"hour": 9, "minute": 48}
